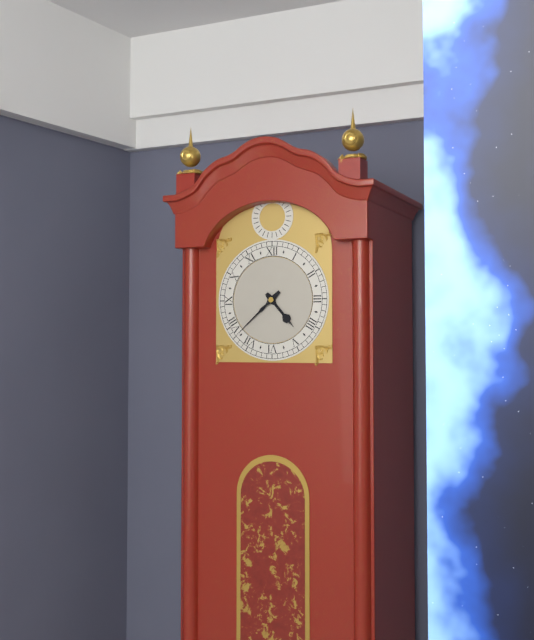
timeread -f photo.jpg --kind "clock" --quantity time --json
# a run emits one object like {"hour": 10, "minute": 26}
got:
{"hour": 4, "minute": 38}
